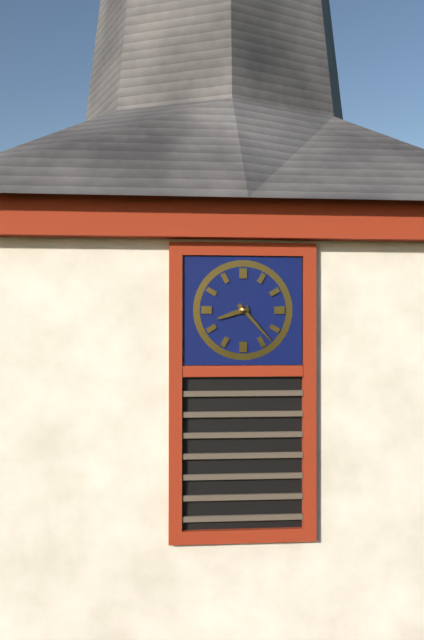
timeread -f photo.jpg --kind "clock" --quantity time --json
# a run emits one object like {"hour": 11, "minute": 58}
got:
{"hour": 8, "minute": 23}
